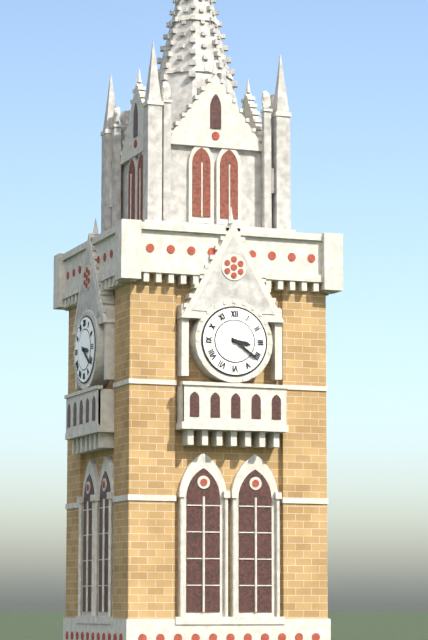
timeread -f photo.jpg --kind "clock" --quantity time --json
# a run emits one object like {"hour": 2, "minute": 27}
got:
{"hour": 3, "minute": 21}
